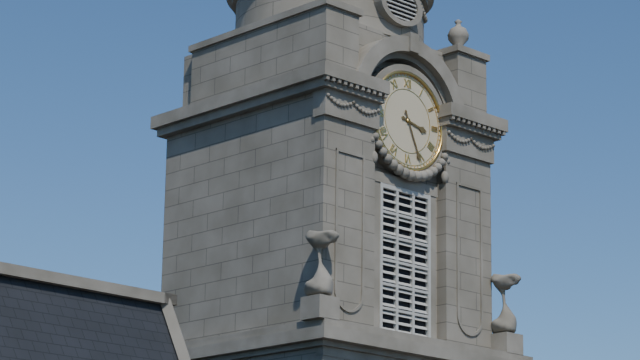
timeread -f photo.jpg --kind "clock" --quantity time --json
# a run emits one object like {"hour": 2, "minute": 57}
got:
{"hour": 3, "minute": 26}
